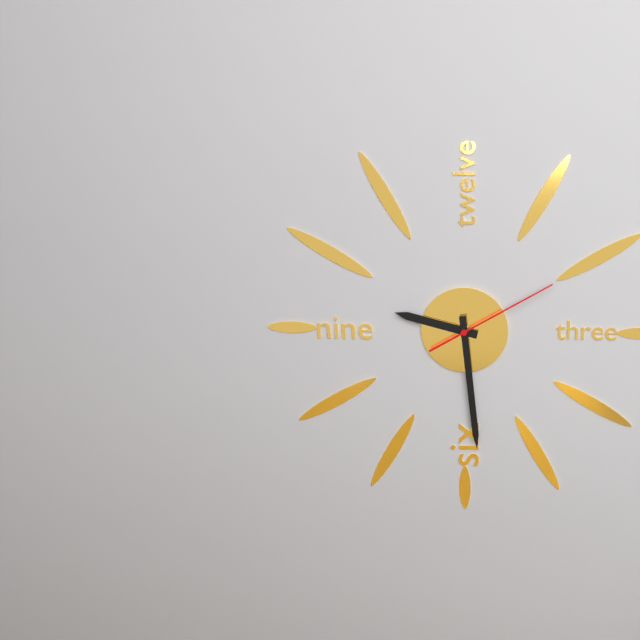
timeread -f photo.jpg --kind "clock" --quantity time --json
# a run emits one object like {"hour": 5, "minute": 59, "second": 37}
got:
{"hour": 9, "minute": 29, "second": 10}
